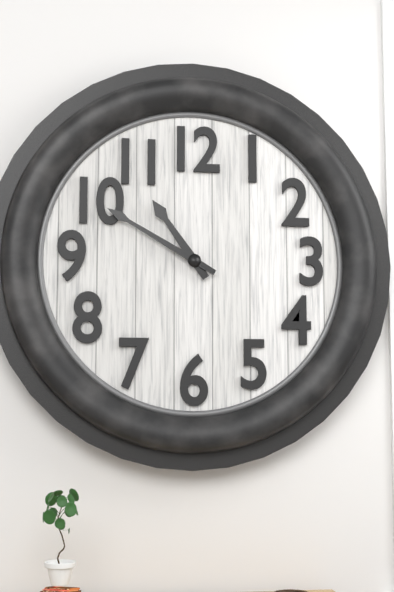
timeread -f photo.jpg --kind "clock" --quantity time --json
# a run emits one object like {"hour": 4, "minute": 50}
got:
{"hour": 10, "minute": 50}
